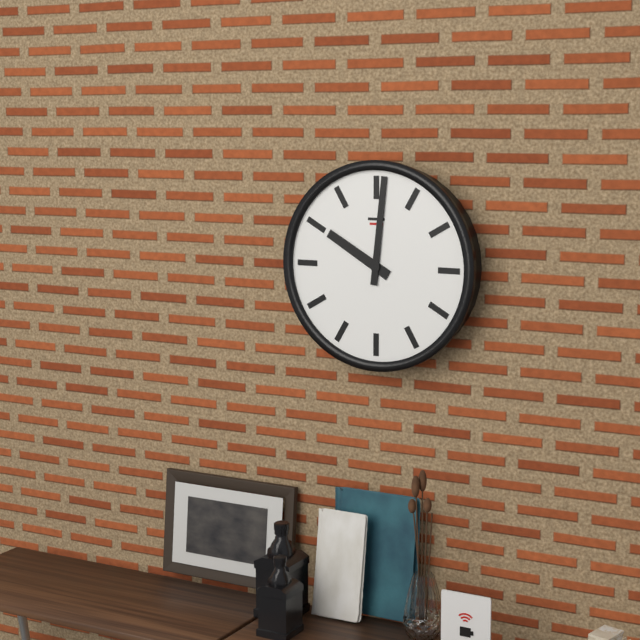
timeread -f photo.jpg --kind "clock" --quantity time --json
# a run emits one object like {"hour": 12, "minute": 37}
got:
{"hour": 10, "minute": 1}
